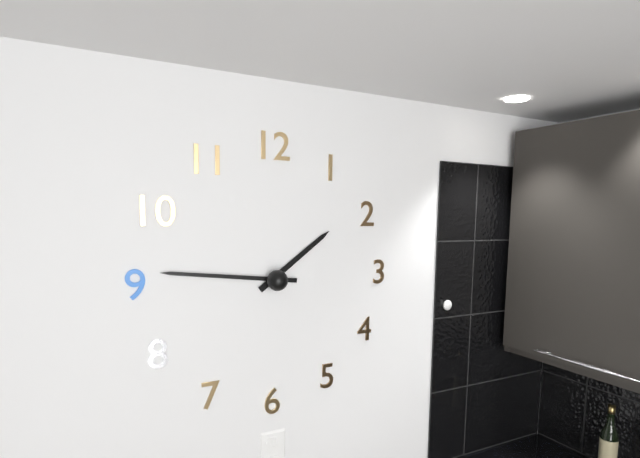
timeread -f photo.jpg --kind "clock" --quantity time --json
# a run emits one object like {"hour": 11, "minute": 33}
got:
{"hour": 1, "minute": 46}
